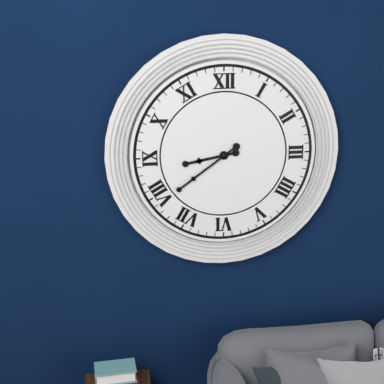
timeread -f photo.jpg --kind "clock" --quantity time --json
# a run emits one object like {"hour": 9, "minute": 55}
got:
{"hour": 8, "minute": 39}
